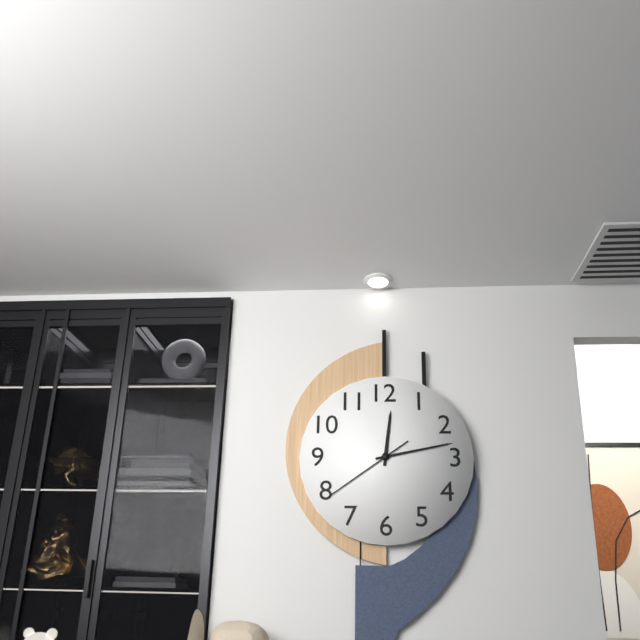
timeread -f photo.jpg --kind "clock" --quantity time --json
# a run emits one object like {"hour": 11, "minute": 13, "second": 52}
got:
{"hour": 12, "minute": 13, "second": 39}
